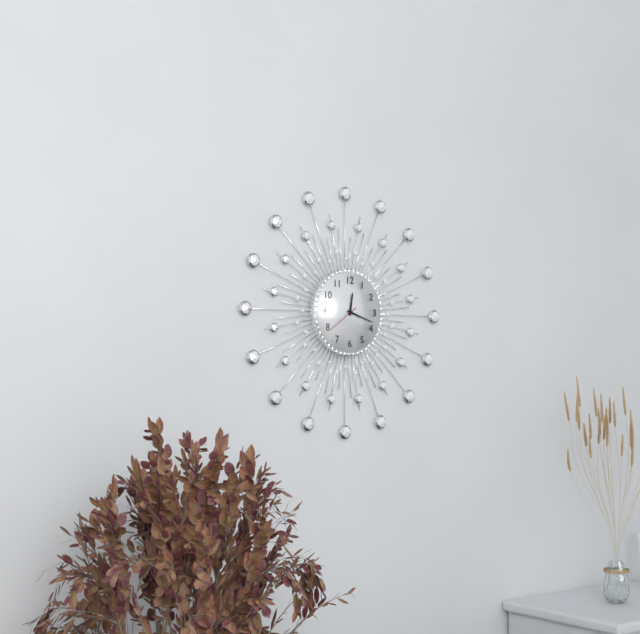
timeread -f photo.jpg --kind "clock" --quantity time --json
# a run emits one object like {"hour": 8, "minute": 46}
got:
{"hour": 12, "minute": 18}
